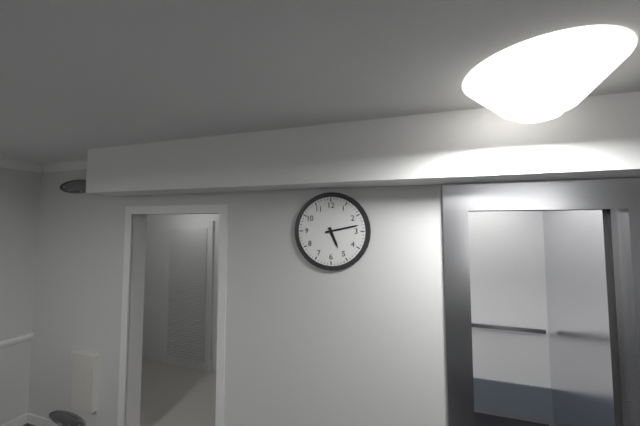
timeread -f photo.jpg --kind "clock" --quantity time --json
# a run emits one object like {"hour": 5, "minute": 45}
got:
{"hour": 5, "minute": 13}
